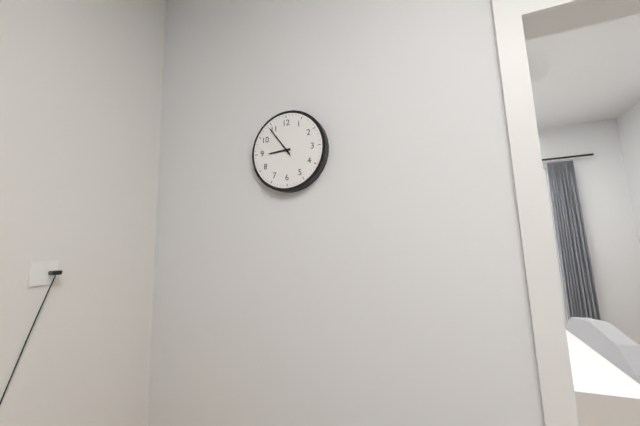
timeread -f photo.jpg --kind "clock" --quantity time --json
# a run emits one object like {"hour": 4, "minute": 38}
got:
{"hour": 8, "minute": 54}
